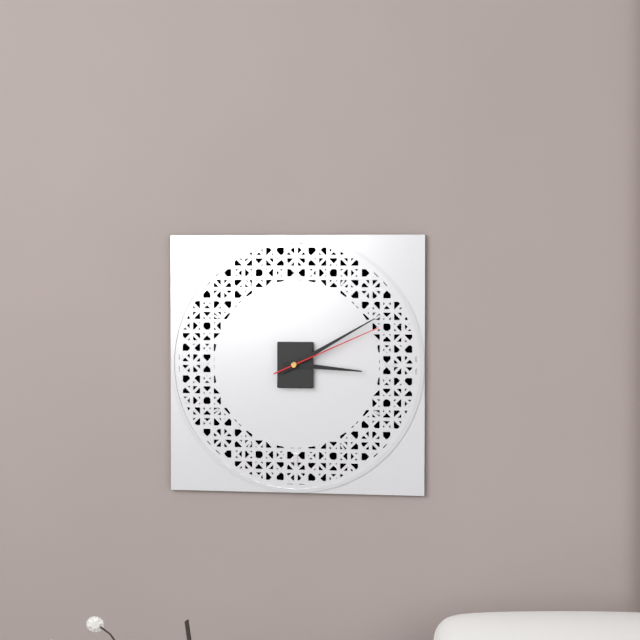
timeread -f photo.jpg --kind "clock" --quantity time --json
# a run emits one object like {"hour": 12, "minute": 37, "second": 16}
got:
{"hour": 3, "minute": 10, "second": 11}
